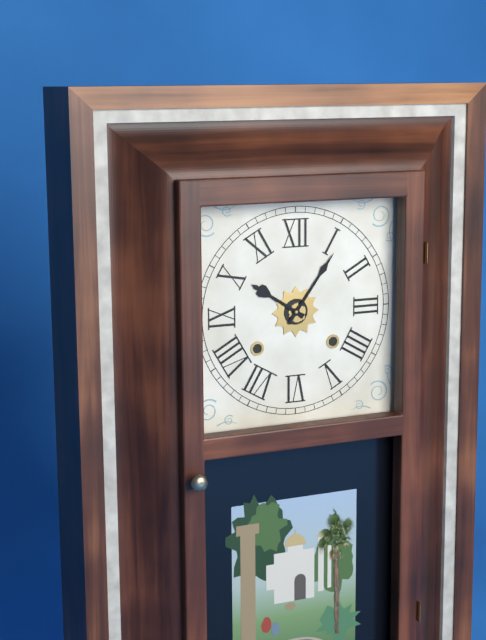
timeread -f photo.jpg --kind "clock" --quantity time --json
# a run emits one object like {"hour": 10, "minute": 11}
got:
{"hour": 10, "minute": 6}
